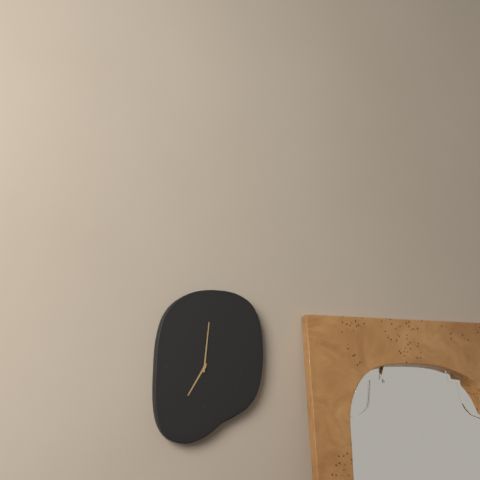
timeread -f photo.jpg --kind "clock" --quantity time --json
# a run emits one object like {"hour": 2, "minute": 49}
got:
{"hour": 7, "minute": 1}
